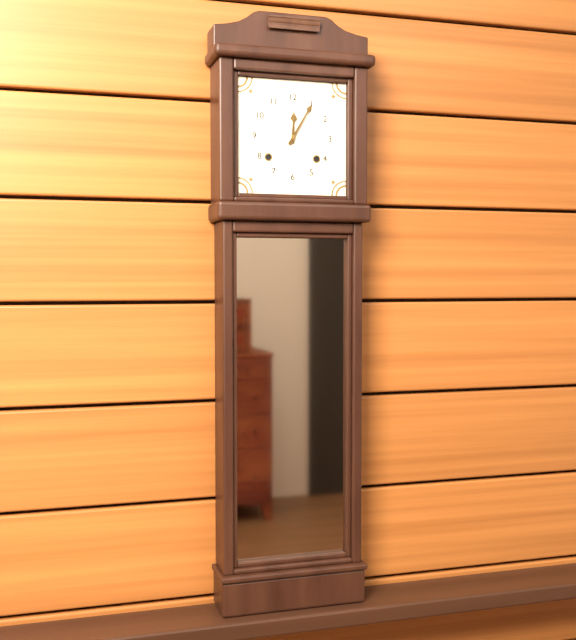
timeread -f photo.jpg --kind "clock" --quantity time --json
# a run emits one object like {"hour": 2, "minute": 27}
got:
{"hour": 12, "minute": 5}
